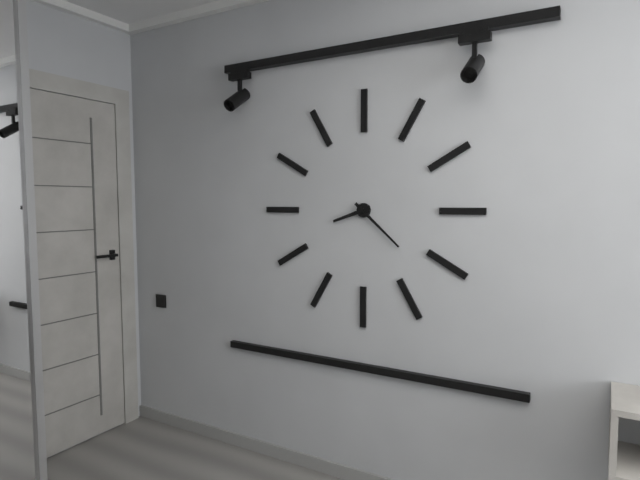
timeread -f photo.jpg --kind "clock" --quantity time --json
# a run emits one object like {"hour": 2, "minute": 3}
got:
{"hour": 8, "minute": 22}
